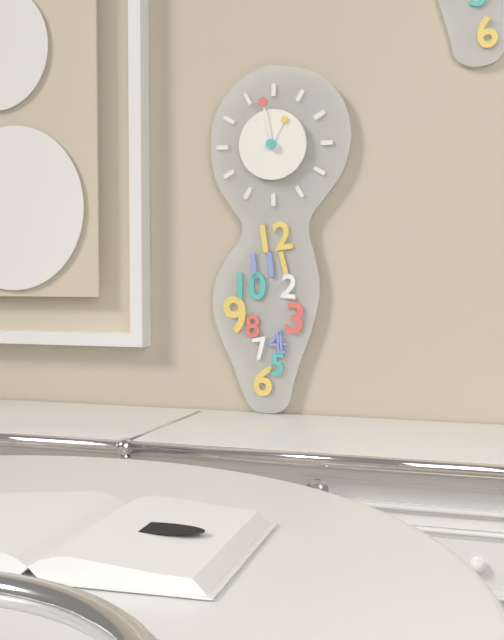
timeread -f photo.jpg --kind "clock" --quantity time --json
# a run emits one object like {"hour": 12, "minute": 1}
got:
{"hour": 12, "minute": 58}
